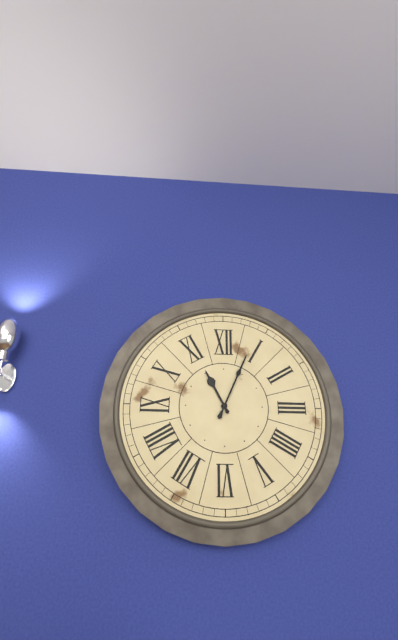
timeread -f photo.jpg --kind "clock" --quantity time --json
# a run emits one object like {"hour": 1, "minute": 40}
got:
{"hour": 11, "minute": 4}
